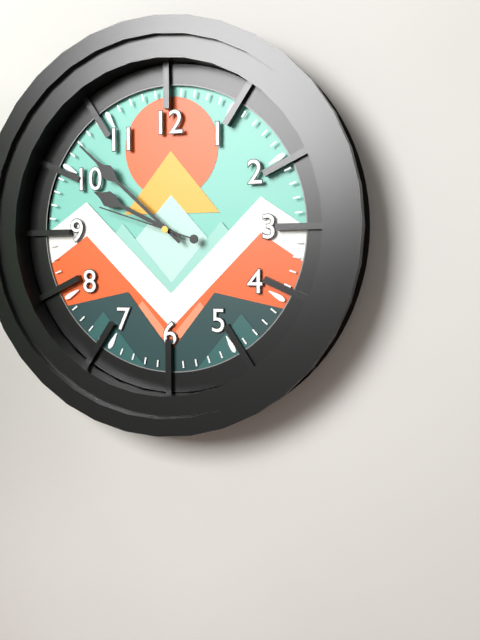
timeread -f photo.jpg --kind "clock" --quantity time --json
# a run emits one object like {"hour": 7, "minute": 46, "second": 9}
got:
{"hour": 9, "minute": 52, "second": 48}
